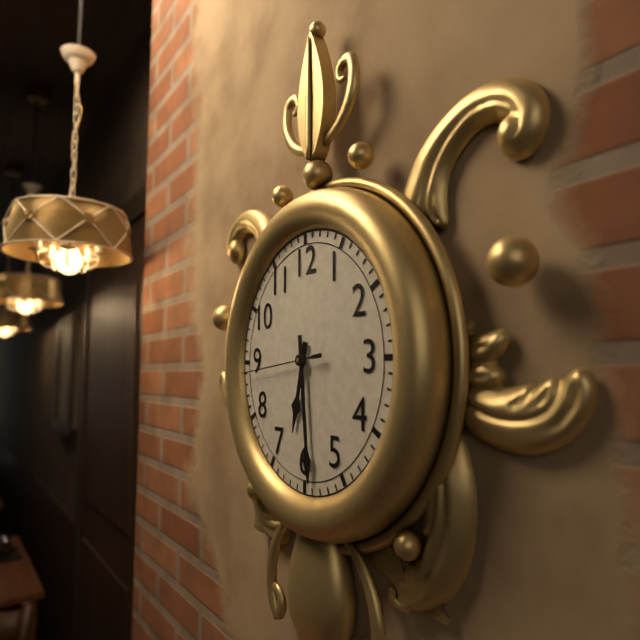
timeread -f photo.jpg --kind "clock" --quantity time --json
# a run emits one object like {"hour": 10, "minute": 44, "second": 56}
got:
{"hour": 6, "minute": 29, "second": 44}
